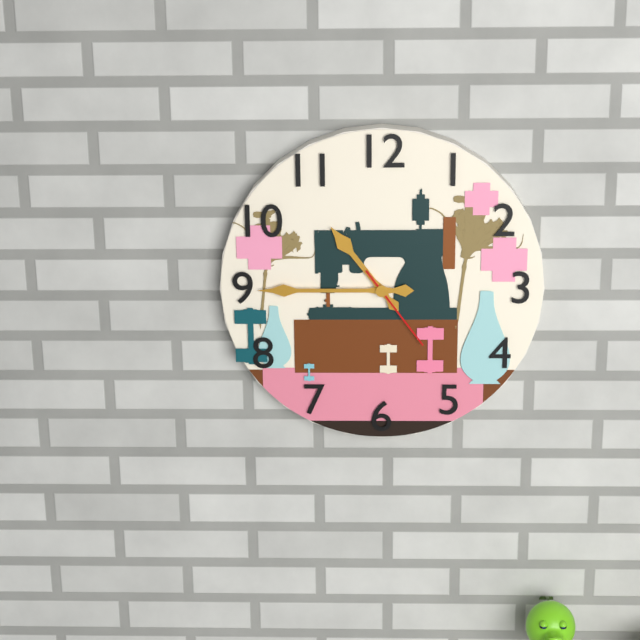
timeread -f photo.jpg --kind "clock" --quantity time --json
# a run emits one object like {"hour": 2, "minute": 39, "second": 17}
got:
{"hour": 10, "minute": 45, "second": 24}
